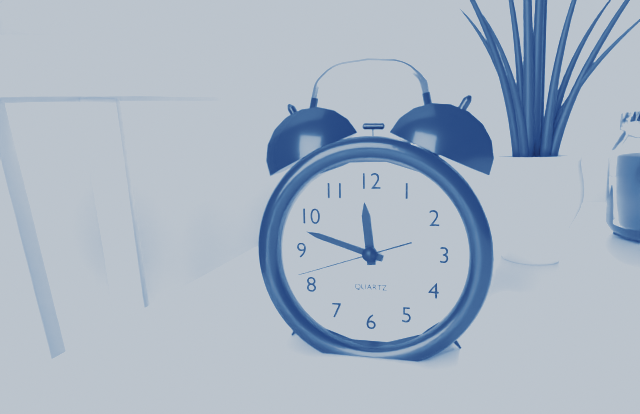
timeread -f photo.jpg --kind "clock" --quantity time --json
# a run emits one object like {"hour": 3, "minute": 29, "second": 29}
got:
{"hour": 11, "minute": 48, "second": 42}
